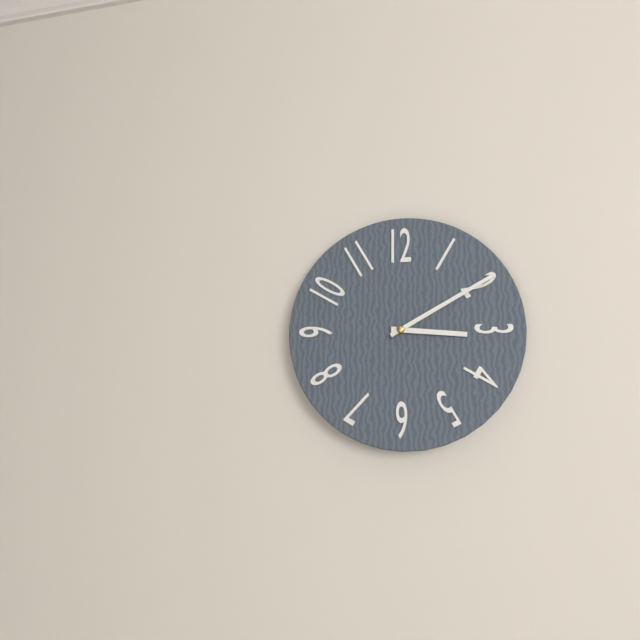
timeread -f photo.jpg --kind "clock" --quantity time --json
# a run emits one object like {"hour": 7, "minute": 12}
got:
{"hour": 3, "minute": 10}
